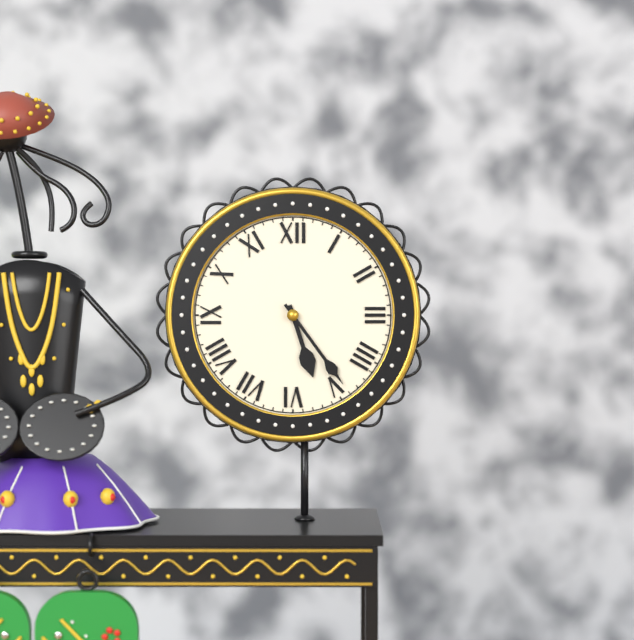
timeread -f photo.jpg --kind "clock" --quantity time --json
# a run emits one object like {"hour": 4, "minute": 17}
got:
{"hour": 5, "minute": 24}
